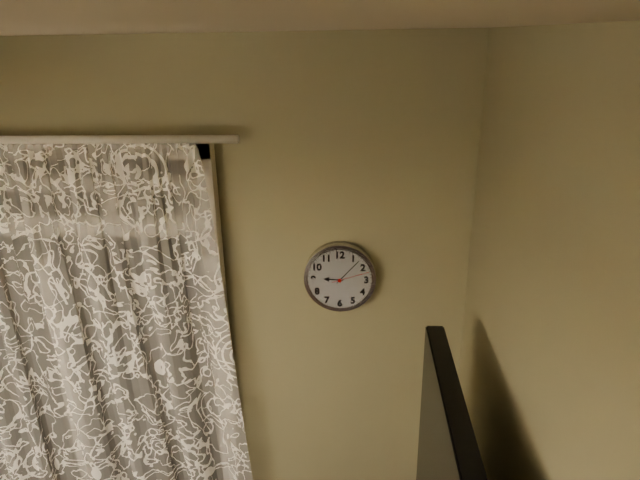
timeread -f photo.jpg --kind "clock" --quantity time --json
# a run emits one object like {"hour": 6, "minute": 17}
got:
{"hour": 9, "minute": 7}
